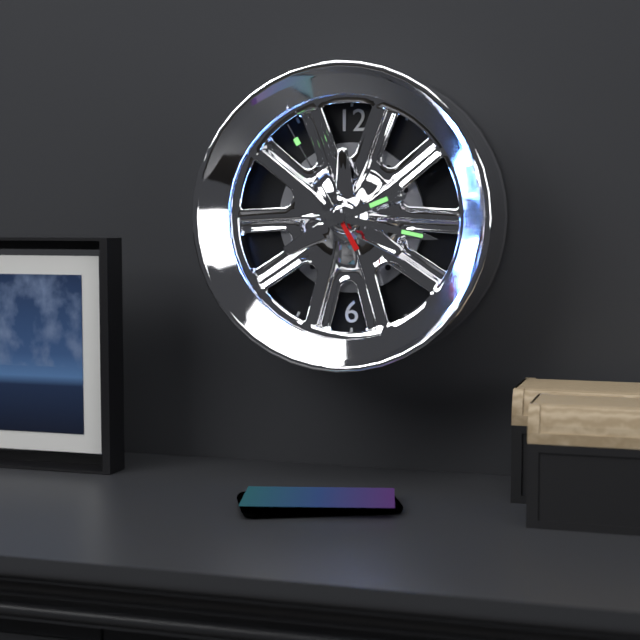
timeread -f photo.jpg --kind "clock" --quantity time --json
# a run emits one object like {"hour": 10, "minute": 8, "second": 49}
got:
{"hour": 2, "minute": 17, "second": 55}
